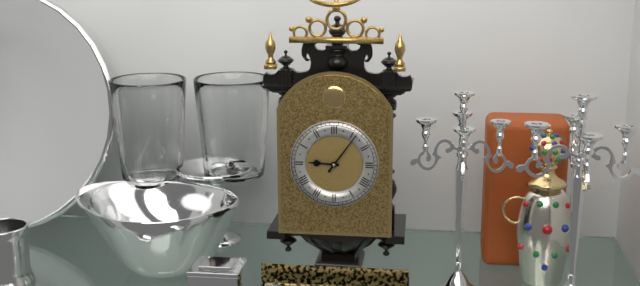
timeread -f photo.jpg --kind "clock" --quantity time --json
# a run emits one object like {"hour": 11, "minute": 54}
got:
{"hour": 9, "minute": 6}
